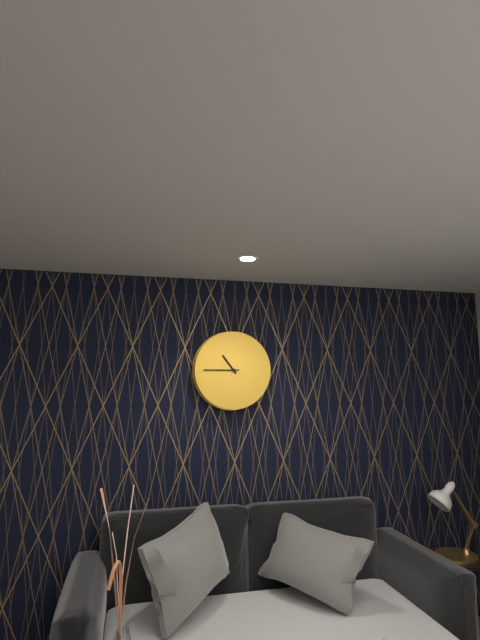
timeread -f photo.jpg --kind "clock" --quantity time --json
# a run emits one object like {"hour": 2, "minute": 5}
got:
{"hour": 10, "minute": 45}
